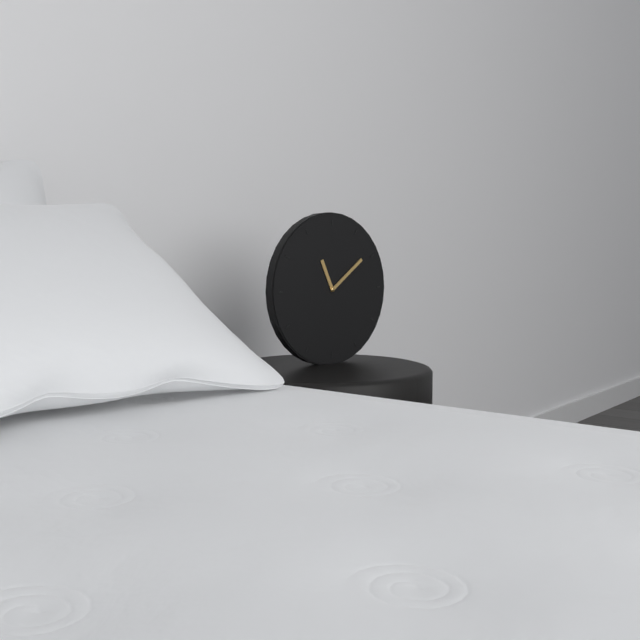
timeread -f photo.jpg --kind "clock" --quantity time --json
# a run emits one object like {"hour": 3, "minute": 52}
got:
{"hour": 11, "minute": 9}
